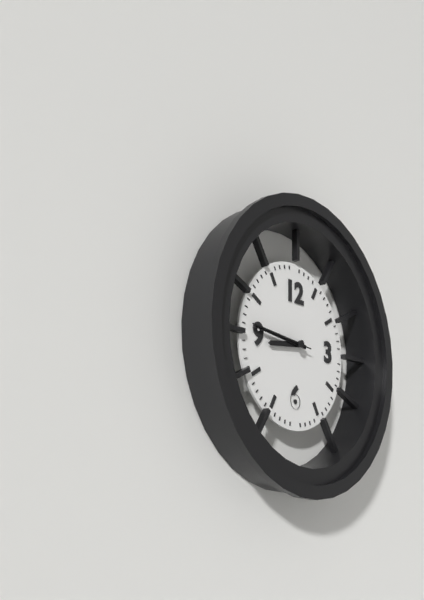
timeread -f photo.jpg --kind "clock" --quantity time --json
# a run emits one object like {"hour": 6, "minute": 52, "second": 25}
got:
{"hour": 8, "minute": 46, "second": 46}
